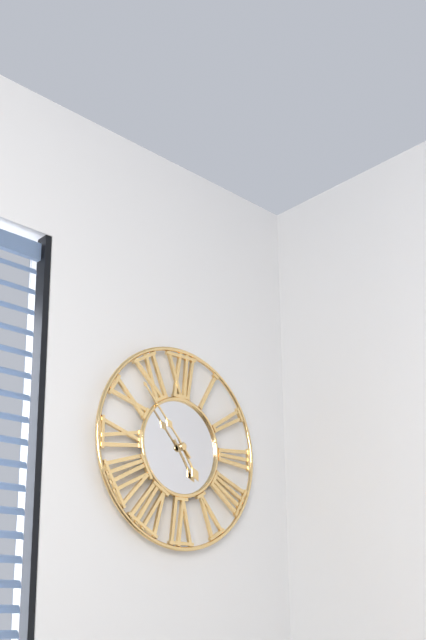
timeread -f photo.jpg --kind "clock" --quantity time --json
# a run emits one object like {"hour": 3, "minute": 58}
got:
{"hour": 4, "minute": 53}
